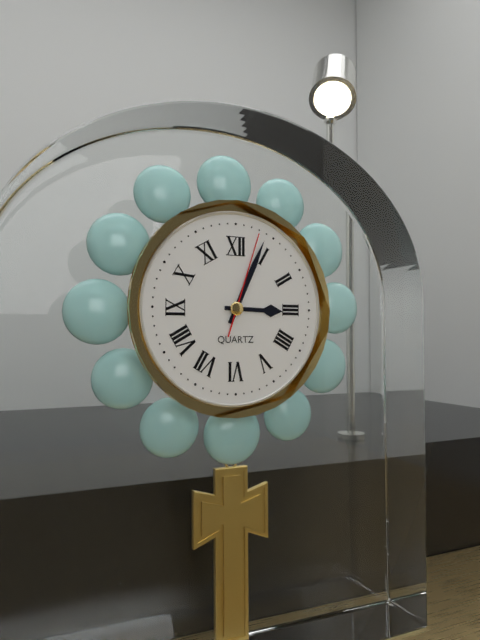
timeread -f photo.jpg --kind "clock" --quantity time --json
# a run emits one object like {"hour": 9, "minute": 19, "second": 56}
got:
{"hour": 3, "minute": 4, "second": 3}
